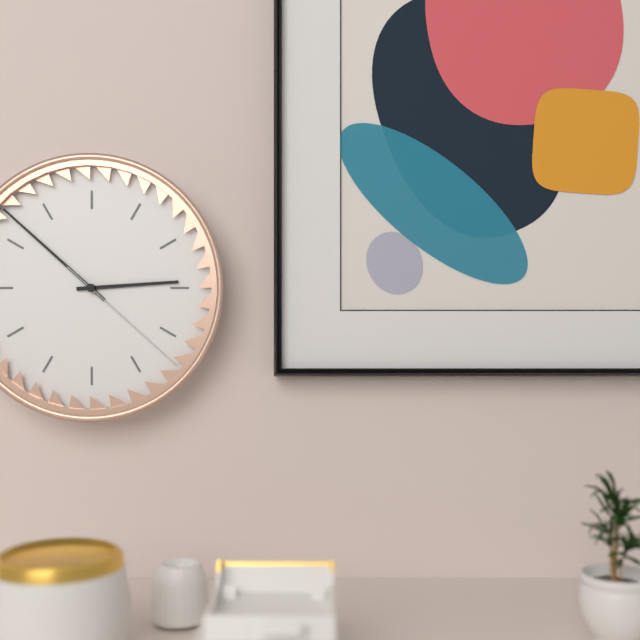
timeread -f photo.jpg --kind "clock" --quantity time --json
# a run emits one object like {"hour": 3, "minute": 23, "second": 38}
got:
{"hour": 2, "minute": 52, "second": 22}
